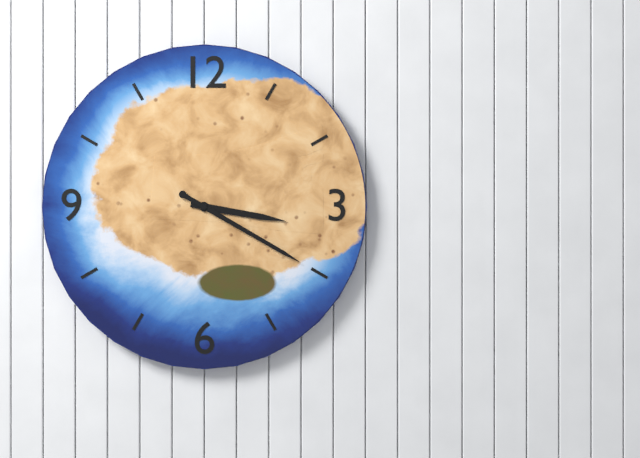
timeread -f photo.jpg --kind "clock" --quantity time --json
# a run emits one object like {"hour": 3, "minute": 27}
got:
{"hour": 3, "minute": 20}
